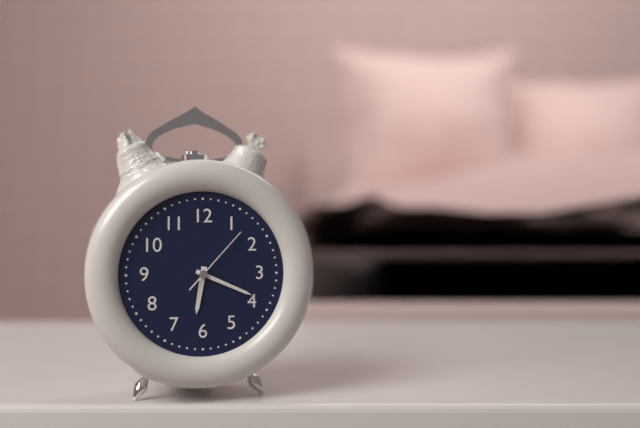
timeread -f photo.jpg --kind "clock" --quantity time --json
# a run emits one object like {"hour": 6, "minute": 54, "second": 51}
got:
{"hour": 6, "minute": 19, "second": 7}
